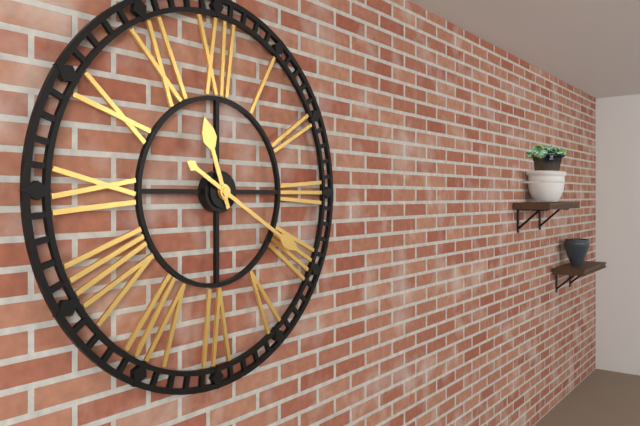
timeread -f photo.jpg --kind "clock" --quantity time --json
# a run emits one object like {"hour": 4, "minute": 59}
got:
{"hour": 11, "minute": 20}
